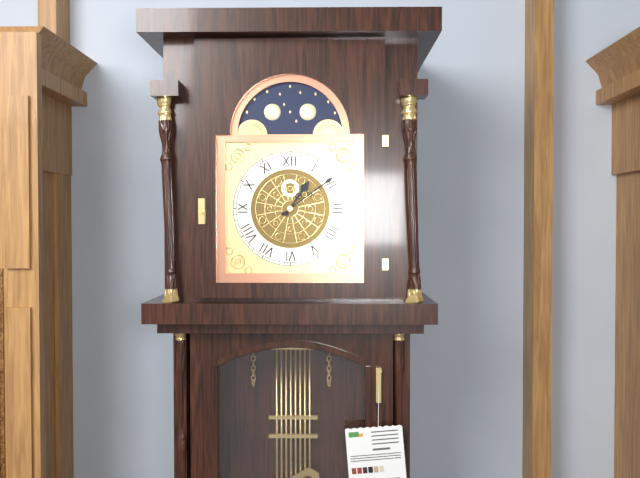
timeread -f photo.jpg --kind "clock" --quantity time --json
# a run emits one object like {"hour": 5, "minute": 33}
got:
{"hour": 1, "minute": 9}
